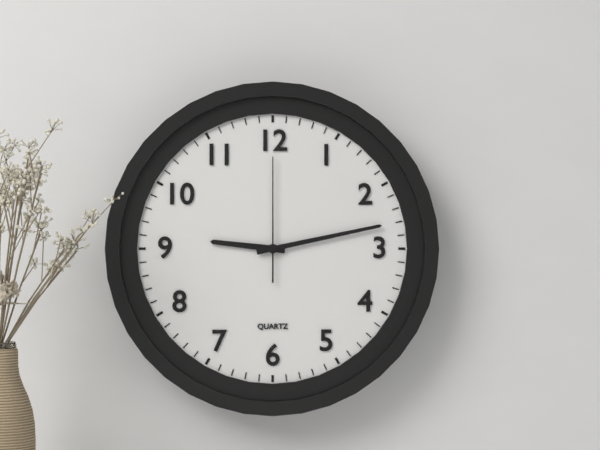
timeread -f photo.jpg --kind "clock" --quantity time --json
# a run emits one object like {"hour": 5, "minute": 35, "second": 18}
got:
{"hour": 9, "minute": 13, "second": 0}
